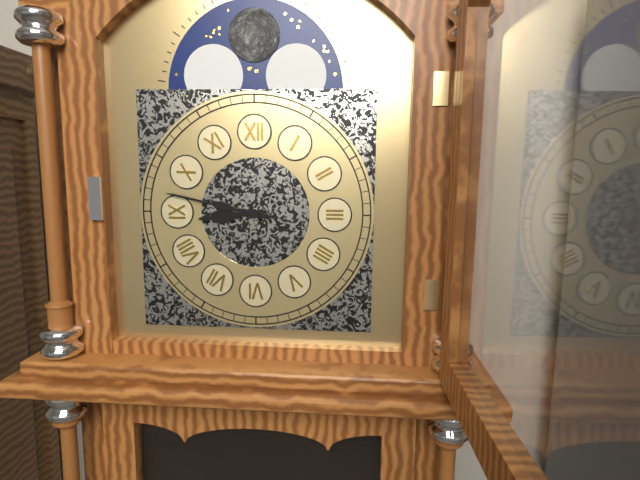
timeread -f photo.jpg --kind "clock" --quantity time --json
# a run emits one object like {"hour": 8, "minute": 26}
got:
{"hour": 8, "minute": 47}
